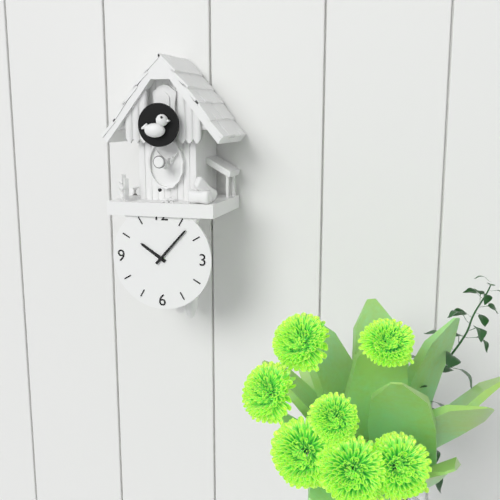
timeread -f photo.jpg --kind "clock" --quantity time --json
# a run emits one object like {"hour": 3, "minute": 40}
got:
{"hour": 10, "minute": 7}
